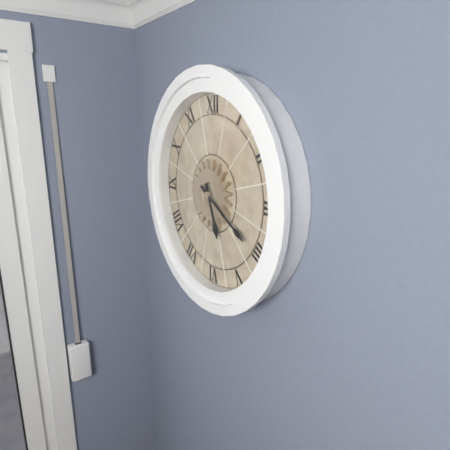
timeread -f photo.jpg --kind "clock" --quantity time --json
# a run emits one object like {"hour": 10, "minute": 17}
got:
{"hour": 5, "minute": 20}
